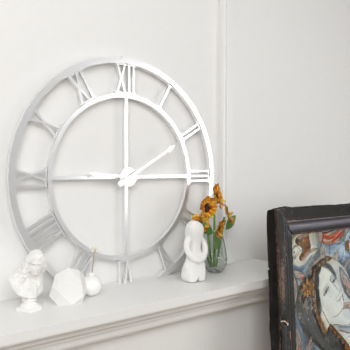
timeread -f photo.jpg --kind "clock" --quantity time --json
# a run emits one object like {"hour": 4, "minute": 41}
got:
{"hour": 9, "minute": 10}
